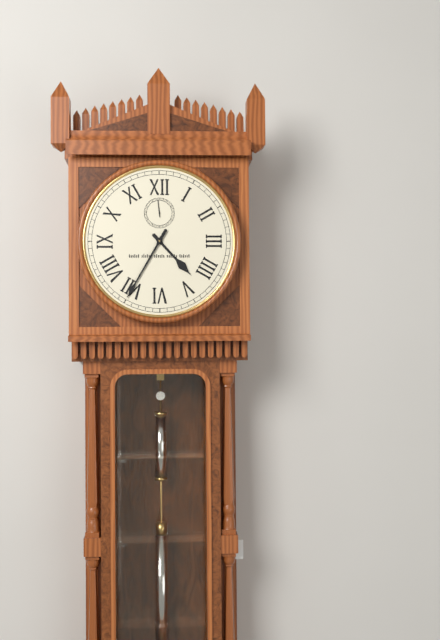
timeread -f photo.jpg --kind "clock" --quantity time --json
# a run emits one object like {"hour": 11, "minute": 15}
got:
{"hour": 4, "minute": 35}
